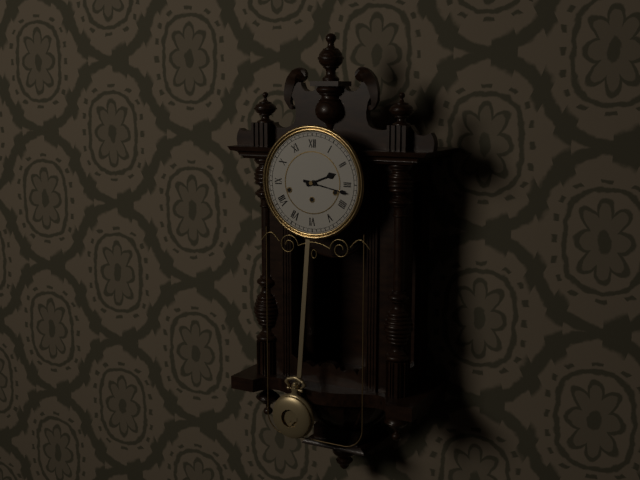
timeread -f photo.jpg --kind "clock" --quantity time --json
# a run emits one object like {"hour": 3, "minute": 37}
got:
{"hour": 2, "minute": 17}
